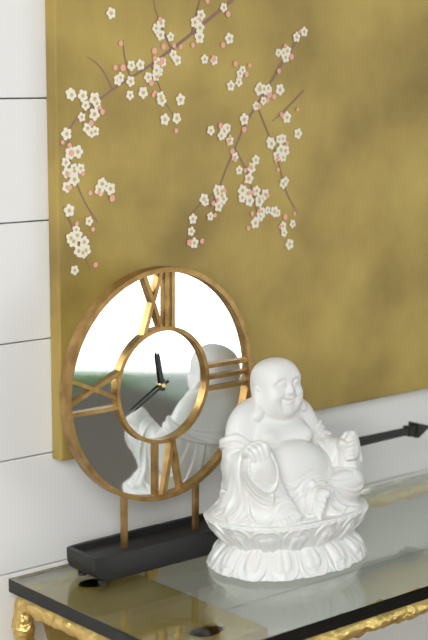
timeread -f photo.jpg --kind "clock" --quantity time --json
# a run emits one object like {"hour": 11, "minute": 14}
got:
{"hour": 11, "minute": 40}
